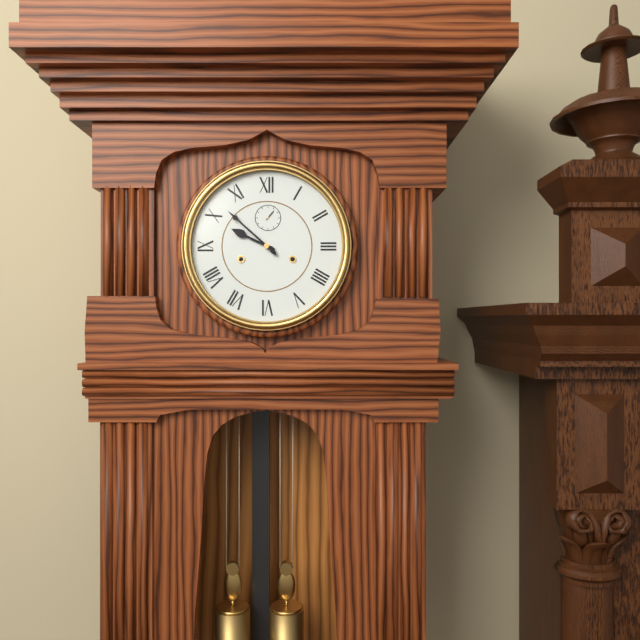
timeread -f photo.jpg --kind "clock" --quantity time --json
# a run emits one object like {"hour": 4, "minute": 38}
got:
{"hour": 9, "minute": 52}
